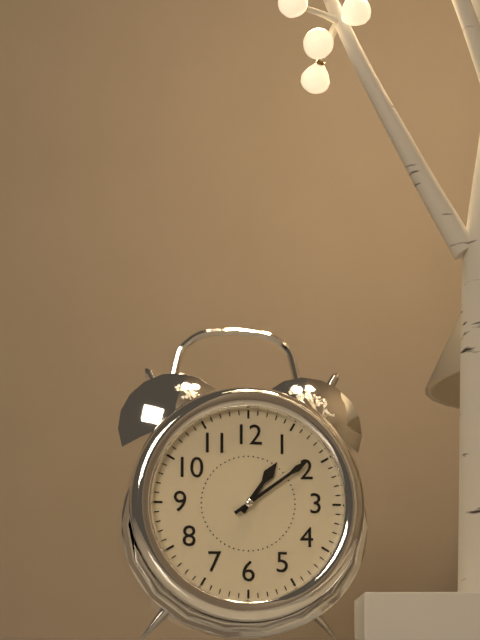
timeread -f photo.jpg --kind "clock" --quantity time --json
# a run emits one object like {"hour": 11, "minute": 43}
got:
{"hour": 1, "minute": 9}
